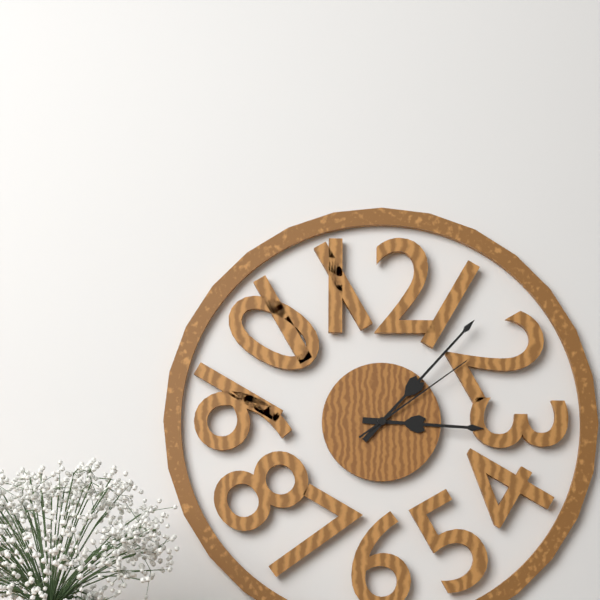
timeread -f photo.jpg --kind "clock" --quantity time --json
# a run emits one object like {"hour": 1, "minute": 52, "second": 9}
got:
{"hour": 3, "minute": 7, "second": 9}
